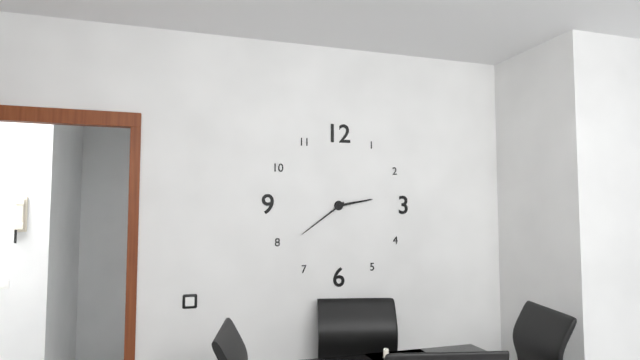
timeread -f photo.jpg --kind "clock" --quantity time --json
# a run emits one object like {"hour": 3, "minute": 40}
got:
{"hour": 2, "minute": 39}
